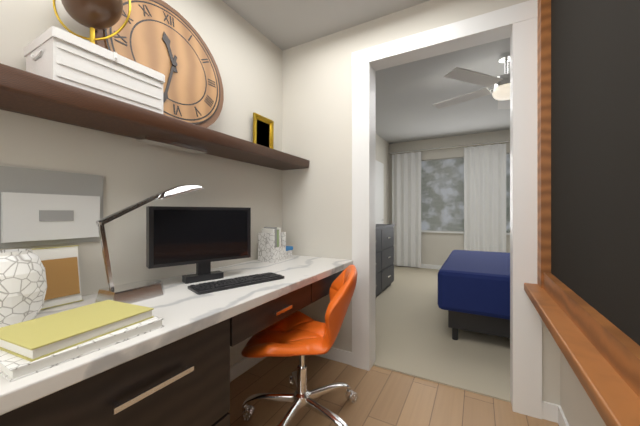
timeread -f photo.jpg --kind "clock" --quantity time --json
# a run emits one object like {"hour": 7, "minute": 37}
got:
{"hour": 11, "minute": 33}
